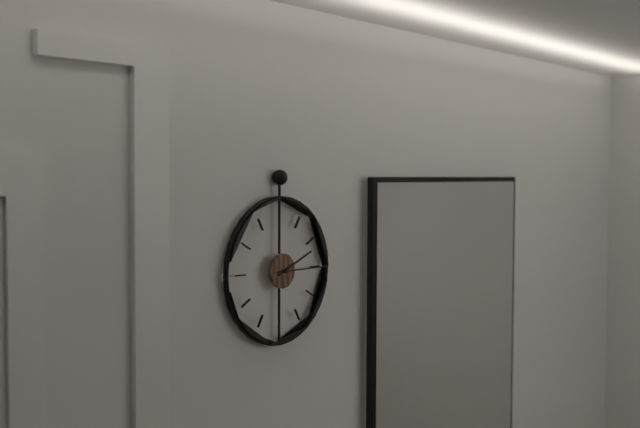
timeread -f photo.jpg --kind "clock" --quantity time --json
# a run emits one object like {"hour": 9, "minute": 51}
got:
{"hour": 2, "minute": 15}
